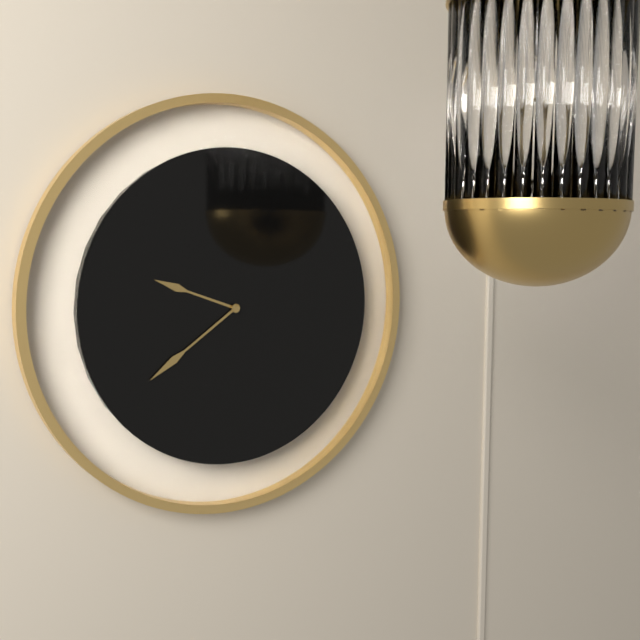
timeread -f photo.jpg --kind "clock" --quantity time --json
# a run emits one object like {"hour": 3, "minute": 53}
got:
{"hour": 9, "minute": 39}
